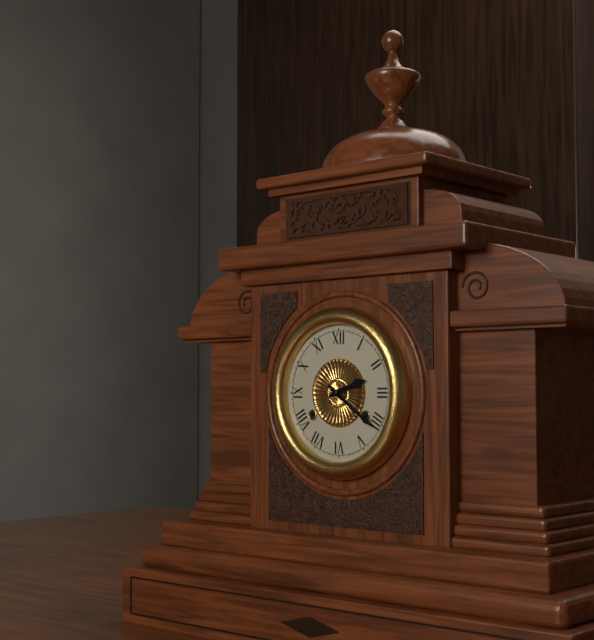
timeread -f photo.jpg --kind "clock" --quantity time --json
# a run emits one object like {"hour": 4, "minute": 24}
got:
{"hour": 2, "minute": 21}
